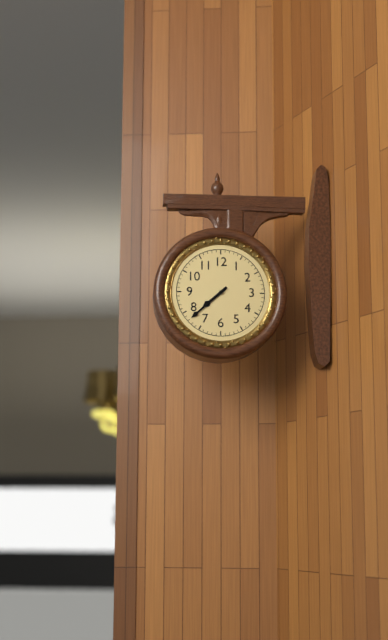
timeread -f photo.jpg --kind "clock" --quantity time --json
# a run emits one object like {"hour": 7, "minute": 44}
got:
{"hour": 7, "minute": 38}
